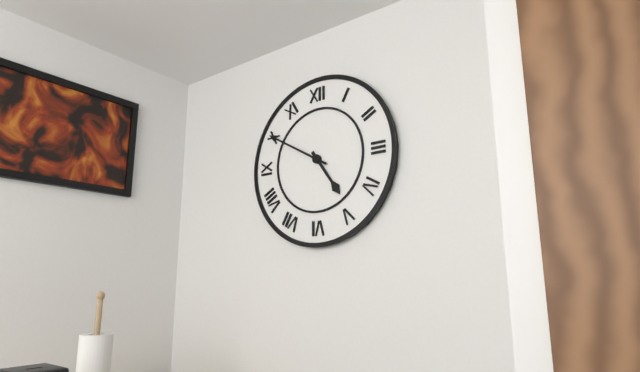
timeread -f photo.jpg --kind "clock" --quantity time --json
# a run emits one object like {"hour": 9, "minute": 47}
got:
{"hour": 4, "minute": 50}
